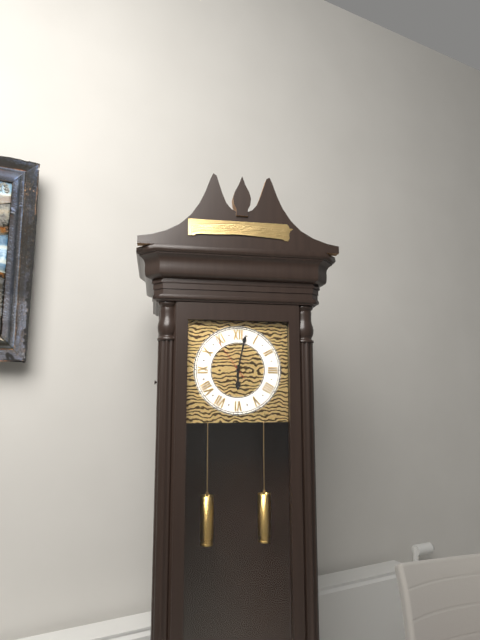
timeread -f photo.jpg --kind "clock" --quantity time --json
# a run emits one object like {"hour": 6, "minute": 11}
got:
{"hour": 6, "minute": 2}
